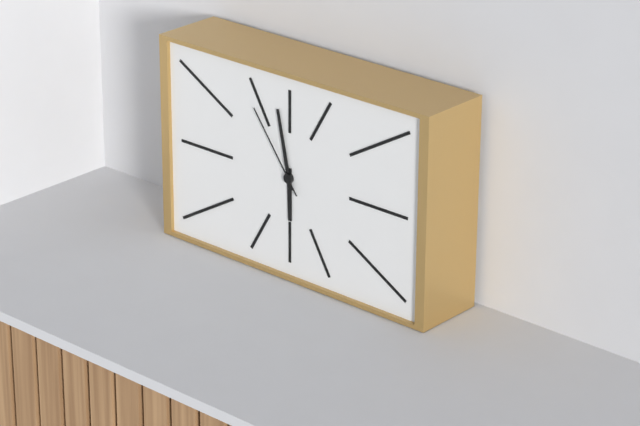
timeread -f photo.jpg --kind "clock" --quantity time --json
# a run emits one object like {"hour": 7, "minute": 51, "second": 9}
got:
{"hour": 5, "minute": 58, "second": 54}
